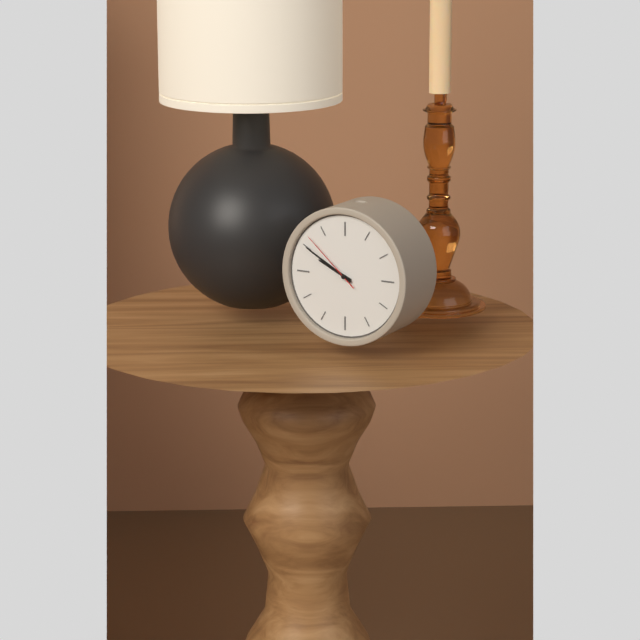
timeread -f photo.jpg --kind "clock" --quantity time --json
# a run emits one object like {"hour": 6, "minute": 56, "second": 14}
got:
{"hour": 9, "minute": 50, "second": 52}
